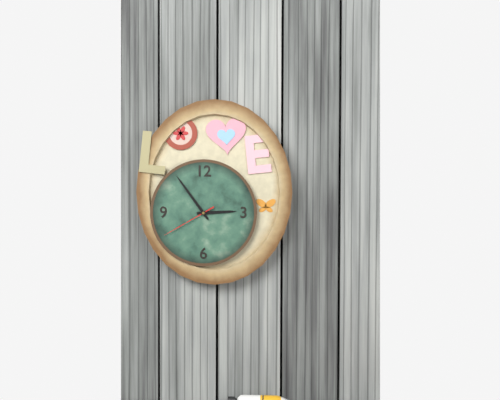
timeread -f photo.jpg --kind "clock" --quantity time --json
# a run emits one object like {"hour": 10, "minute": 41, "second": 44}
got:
{"hour": 2, "minute": 54, "second": 40}
